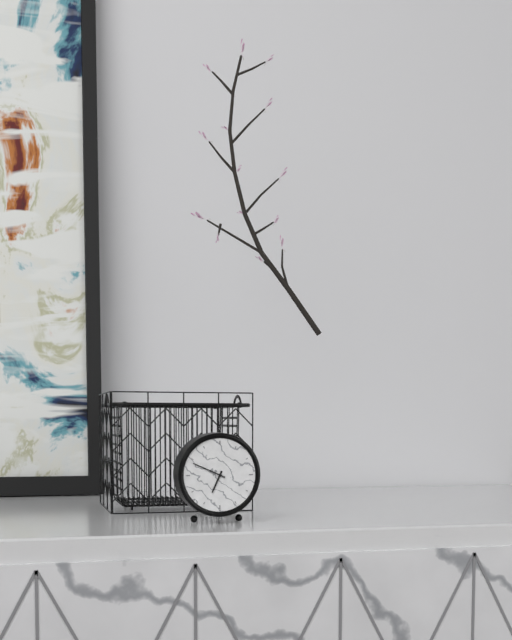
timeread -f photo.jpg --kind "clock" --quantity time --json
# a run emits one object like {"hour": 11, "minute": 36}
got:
{"hour": 6, "minute": 49}
